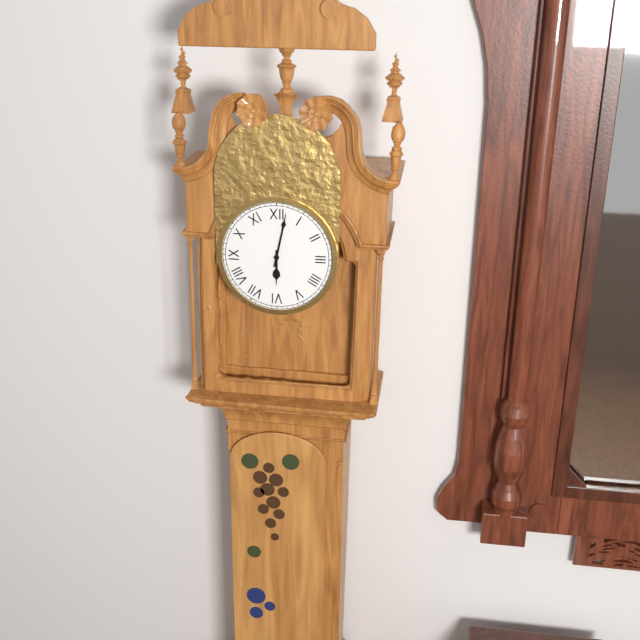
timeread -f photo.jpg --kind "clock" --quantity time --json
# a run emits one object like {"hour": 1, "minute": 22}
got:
{"hour": 6, "minute": 2}
